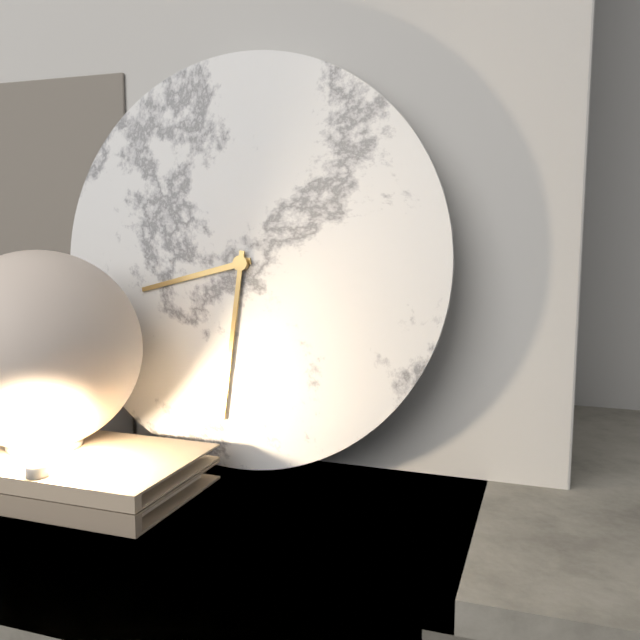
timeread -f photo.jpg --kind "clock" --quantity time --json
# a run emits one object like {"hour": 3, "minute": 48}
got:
{"hour": 8, "minute": 31}
